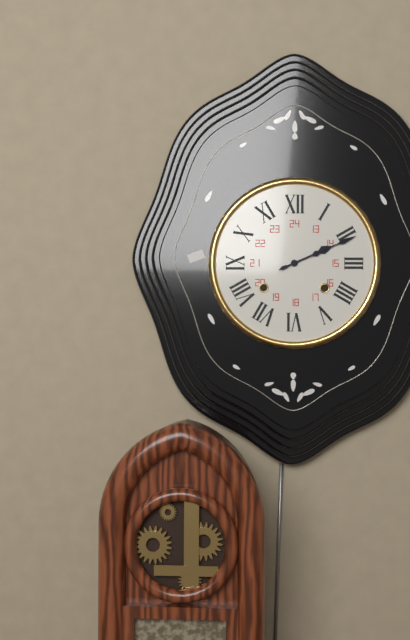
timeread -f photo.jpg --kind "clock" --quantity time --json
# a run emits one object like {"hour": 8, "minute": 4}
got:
{"hour": 2, "minute": 11}
